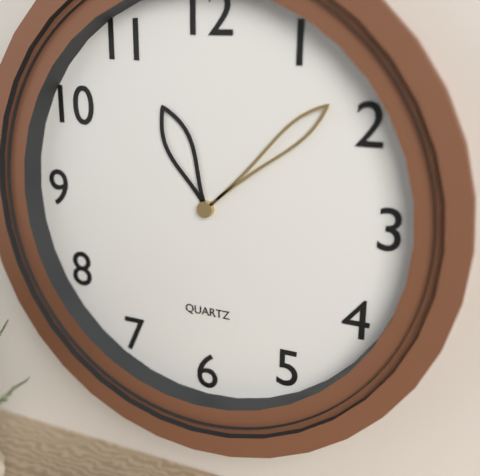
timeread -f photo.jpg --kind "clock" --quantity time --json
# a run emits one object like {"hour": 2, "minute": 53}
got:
{"hour": 11, "minute": 8}
